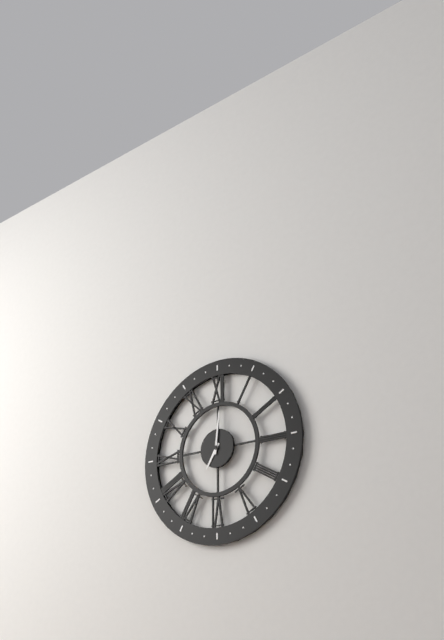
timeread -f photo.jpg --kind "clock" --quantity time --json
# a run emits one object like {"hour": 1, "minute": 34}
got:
{"hour": 7, "minute": 1}
